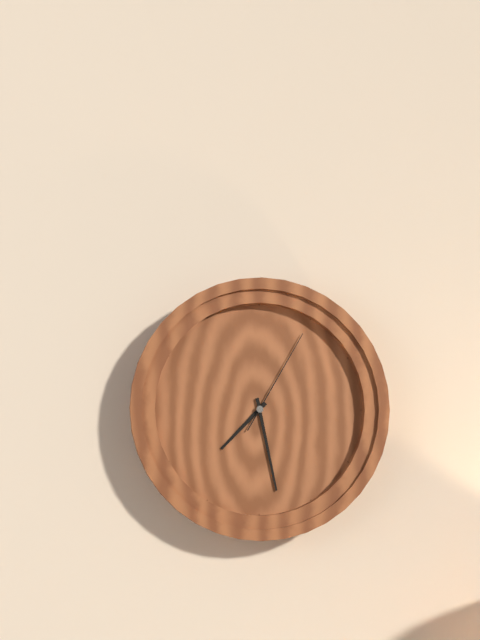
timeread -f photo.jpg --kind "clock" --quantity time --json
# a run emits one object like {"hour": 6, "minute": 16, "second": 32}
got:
{"hour": 7, "minute": 28, "second": 5}
